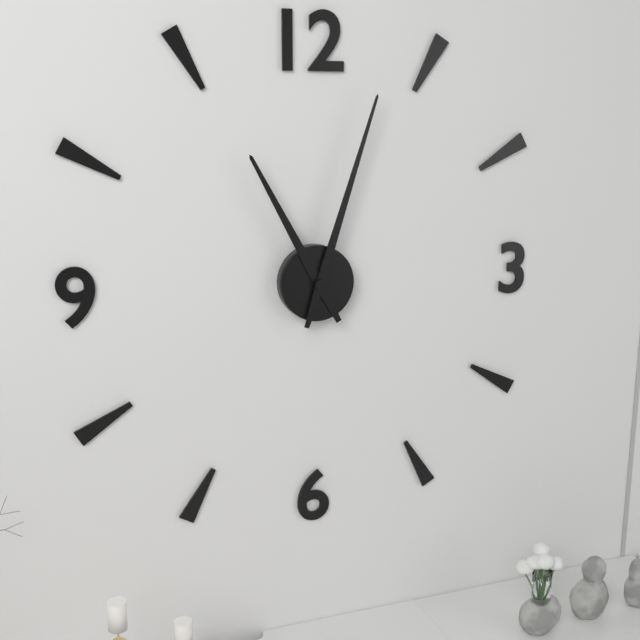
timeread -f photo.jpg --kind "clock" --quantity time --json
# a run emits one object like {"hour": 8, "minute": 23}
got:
{"hour": 11, "minute": 3}
